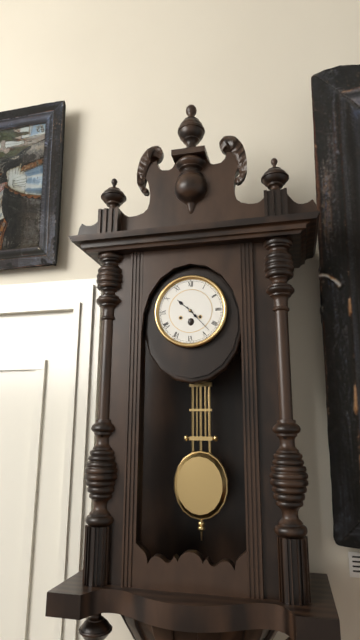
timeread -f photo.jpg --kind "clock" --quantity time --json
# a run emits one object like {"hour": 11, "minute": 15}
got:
{"hour": 10, "minute": 23}
